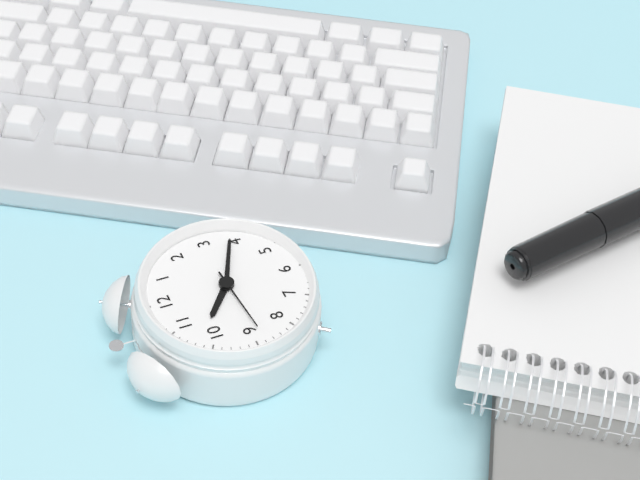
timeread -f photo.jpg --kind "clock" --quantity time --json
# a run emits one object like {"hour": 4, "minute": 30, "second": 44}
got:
{"hour": 10, "minute": 19, "second": 44}
